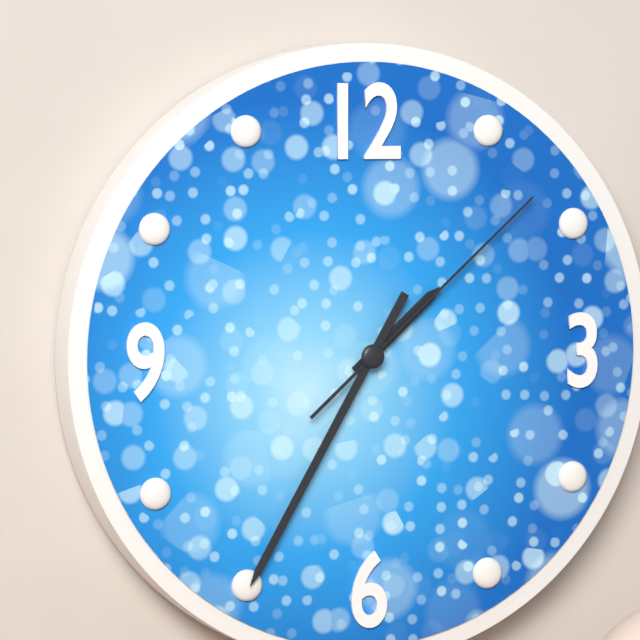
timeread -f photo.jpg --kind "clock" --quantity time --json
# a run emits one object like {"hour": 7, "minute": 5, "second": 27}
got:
{"hour": 1, "minute": 35, "second": 8}
